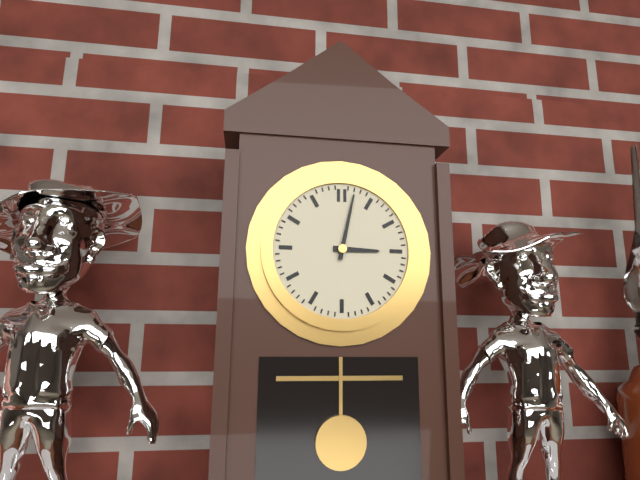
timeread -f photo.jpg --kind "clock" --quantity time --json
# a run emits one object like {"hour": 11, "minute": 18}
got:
{"hour": 3, "minute": 2}
